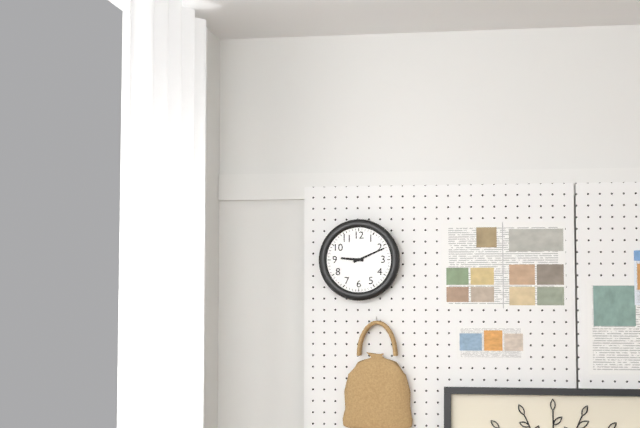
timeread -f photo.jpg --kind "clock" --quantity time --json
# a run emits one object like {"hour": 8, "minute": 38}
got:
{"hour": 9, "minute": 11}
